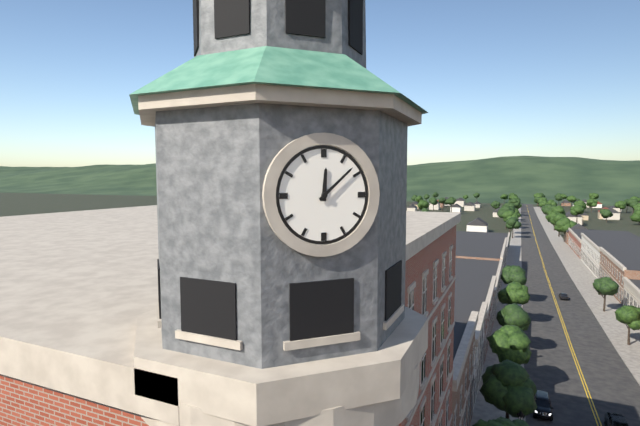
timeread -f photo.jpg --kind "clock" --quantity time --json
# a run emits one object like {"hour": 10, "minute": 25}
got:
{"hour": 12, "minute": 8}
